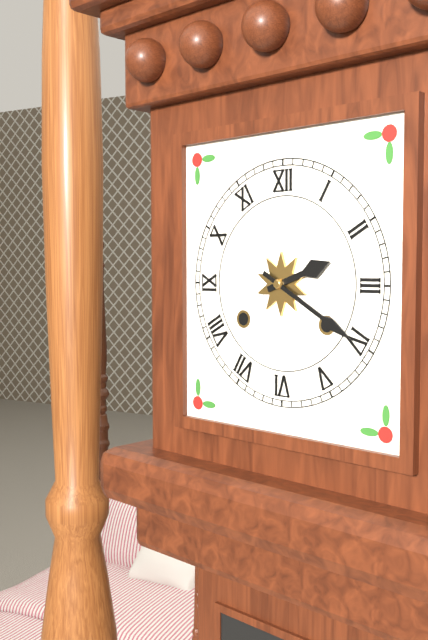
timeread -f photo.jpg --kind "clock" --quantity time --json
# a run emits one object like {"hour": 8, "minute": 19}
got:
{"hour": 2, "minute": 20}
